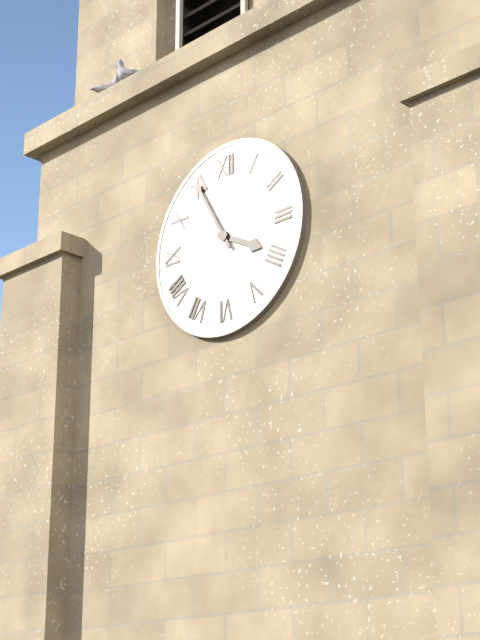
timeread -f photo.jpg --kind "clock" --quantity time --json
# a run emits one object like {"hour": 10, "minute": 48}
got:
{"hour": 3, "minute": 55}
